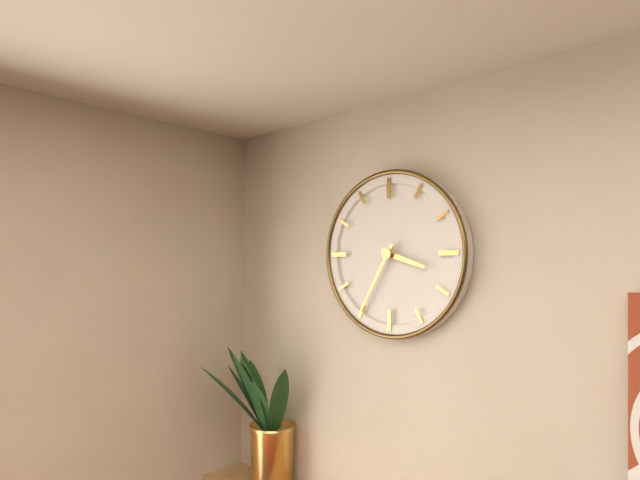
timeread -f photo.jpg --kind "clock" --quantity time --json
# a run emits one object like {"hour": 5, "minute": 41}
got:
{"hour": 3, "minute": 35}
